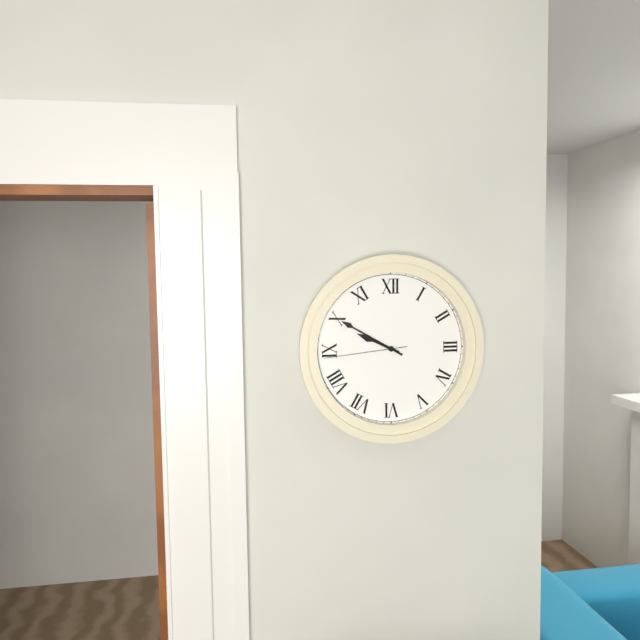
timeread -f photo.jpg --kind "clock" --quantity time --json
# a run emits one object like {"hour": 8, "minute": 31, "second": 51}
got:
{"hour": 9, "minute": 50, "second": 44}
